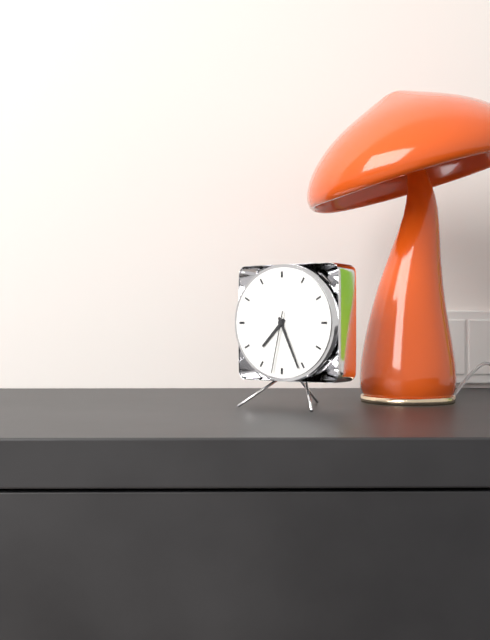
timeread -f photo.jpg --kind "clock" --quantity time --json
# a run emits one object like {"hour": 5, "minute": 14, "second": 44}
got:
{"hour": 7, "minute": 26, "second": 32}
